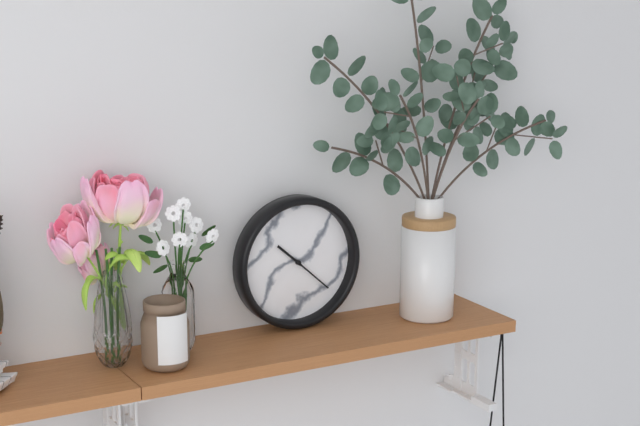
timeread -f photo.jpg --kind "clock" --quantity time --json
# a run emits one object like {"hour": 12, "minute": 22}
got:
{"hour": 10, "minute": 22}
